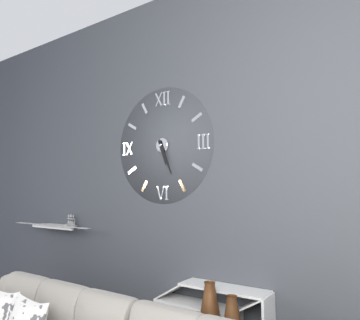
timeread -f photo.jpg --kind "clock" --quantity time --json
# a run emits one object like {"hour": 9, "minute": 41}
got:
{"hour": 5, "minute": 26}
